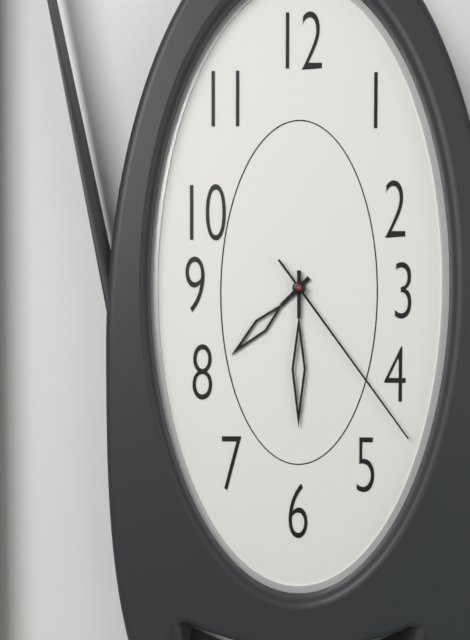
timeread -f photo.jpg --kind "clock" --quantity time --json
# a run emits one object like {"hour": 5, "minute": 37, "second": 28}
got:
{"hour": 7, "minute": 30, "second": 24}
